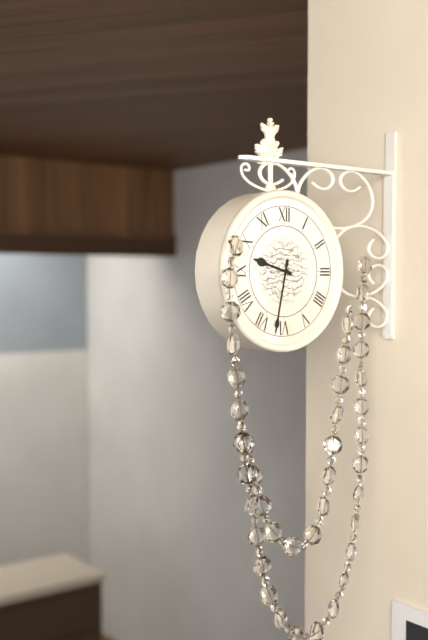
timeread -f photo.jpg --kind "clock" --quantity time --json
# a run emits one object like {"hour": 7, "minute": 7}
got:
{"hour": 9, "minute": 32}
